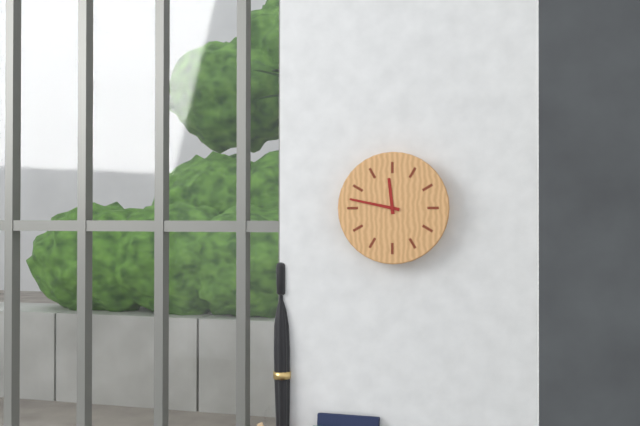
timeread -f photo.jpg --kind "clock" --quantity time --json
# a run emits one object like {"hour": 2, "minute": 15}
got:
{"hour": 11, "minute": 47}
